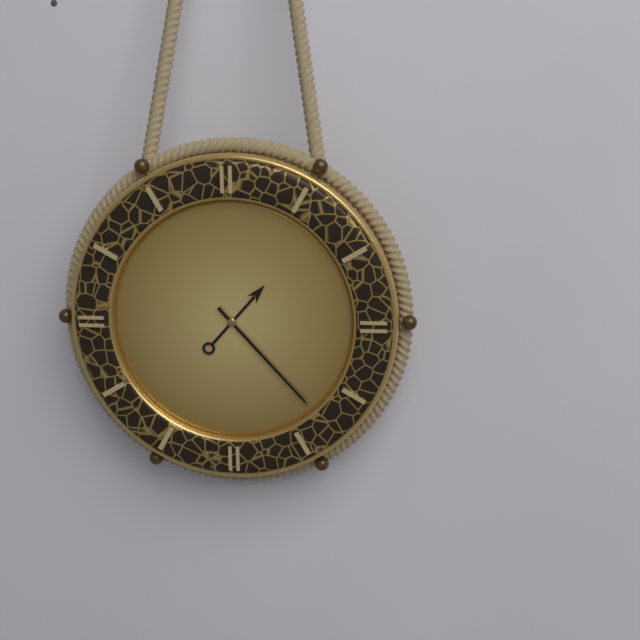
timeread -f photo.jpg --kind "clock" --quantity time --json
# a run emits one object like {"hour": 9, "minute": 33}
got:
{"hour": 1, "minute": 23}
